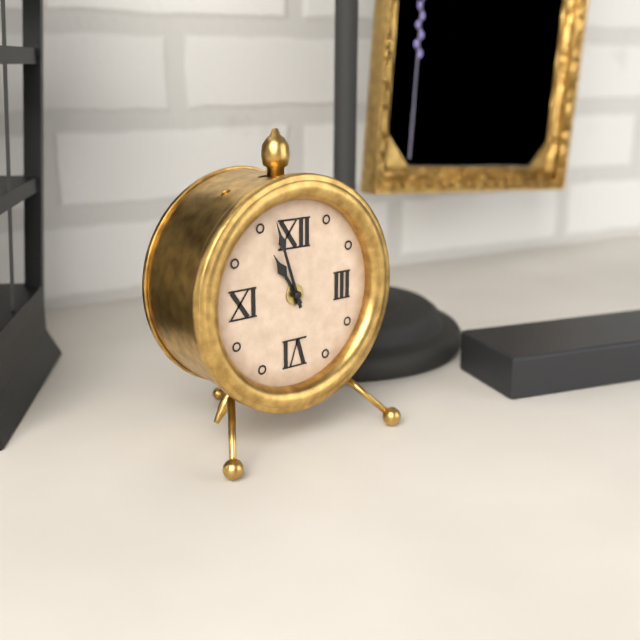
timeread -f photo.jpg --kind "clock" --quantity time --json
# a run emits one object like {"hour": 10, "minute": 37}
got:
{"hour": 10, "minute": 57}
